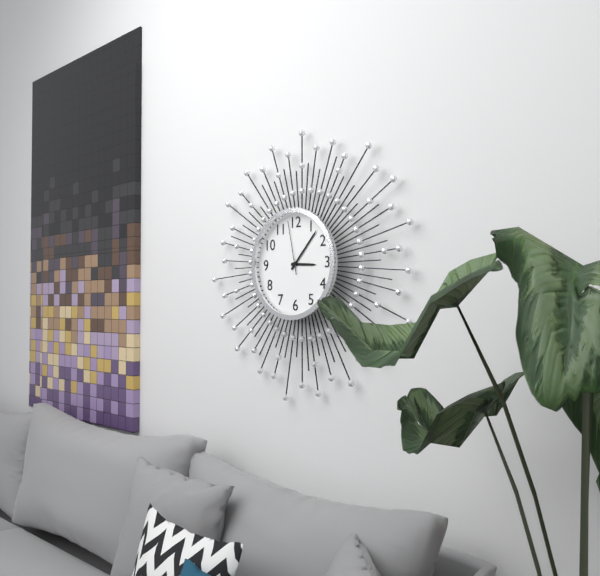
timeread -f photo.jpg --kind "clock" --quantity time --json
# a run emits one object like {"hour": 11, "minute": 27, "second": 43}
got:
{"hour": 3, "minute": 7, "second": 58}
